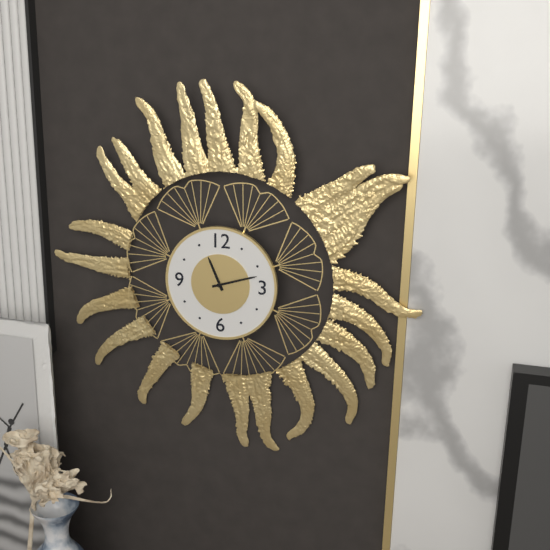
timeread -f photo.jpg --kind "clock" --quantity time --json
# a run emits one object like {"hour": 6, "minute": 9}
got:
{"hour": 11, "minute": 12}
